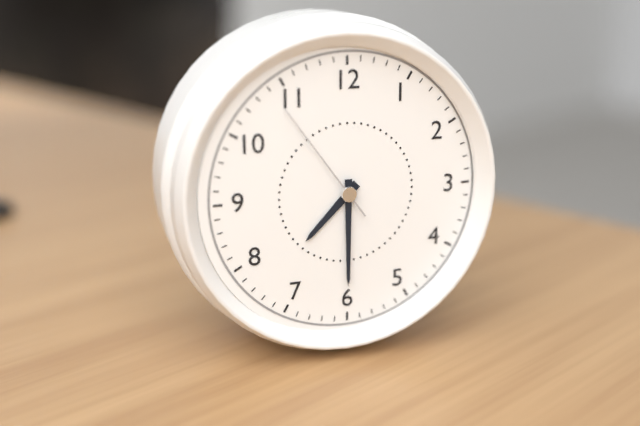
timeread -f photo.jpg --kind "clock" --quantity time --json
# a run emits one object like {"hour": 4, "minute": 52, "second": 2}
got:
{"hour": 7, "minute": 30, "second": 54}
